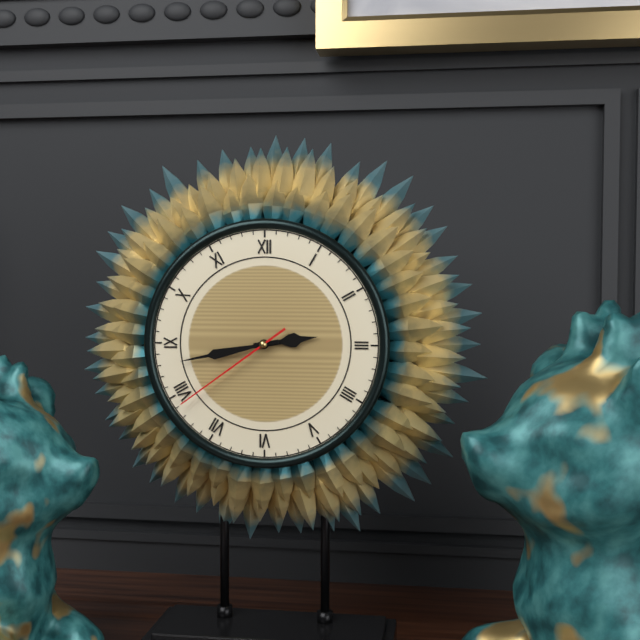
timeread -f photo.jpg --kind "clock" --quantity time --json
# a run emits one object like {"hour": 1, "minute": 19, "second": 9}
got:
{"hour": 2, "minute": 43, "second": 39}
